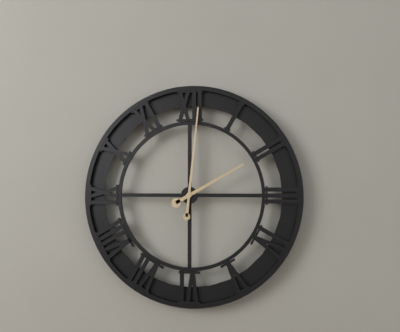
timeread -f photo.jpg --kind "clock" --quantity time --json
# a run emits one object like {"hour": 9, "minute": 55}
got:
{"hour": 2, "minute": 1}
